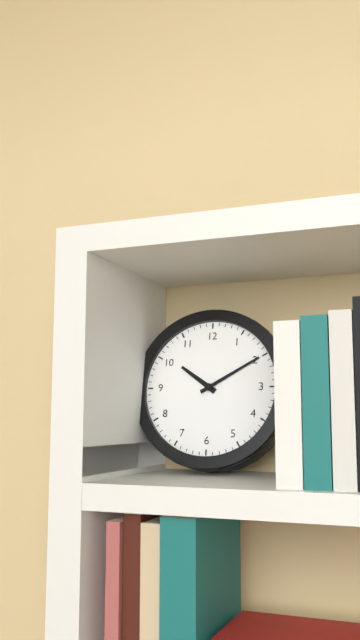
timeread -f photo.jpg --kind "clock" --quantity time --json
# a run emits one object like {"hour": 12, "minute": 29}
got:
{"hour": 10, "minute": 10}
